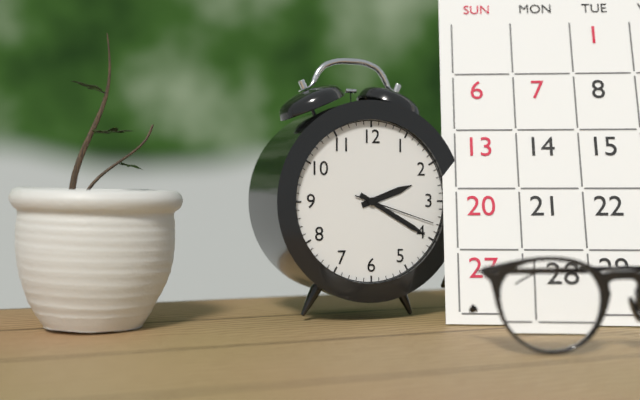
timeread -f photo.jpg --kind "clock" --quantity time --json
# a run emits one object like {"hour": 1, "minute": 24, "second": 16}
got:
{"hour": 2, "minute": 20, "second": 18}
